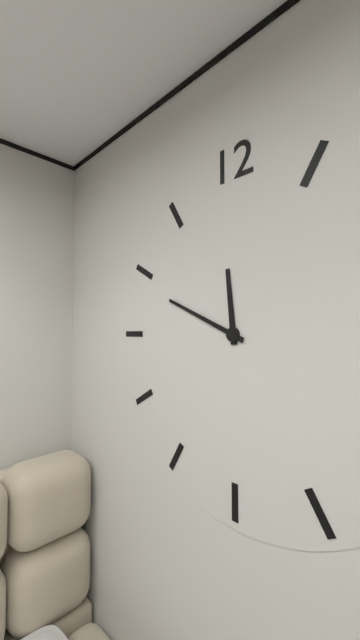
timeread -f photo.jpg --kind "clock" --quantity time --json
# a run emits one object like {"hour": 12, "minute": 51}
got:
{"hour": 11, "minute": 49}
